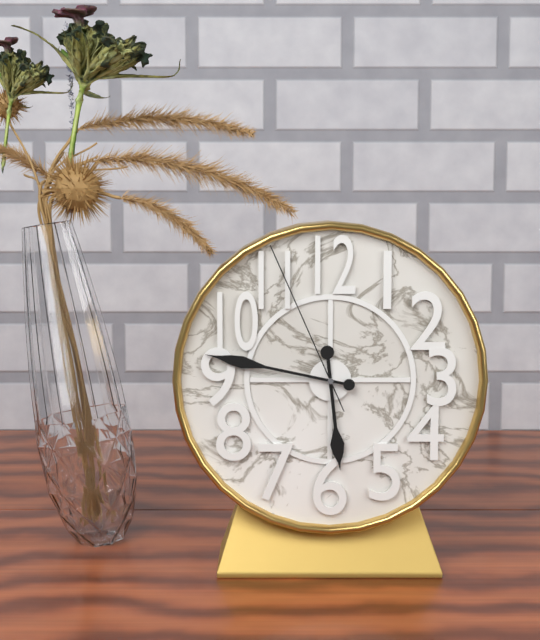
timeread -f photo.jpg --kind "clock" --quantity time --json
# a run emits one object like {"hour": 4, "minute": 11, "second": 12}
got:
{"hour": 5, "minute": 47, "second": 56}
